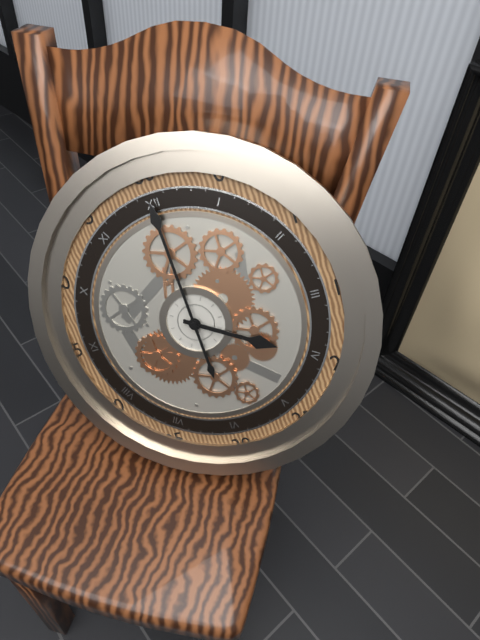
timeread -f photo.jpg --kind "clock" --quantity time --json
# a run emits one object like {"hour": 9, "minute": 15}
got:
{"hour": 4, "minute": 0}
